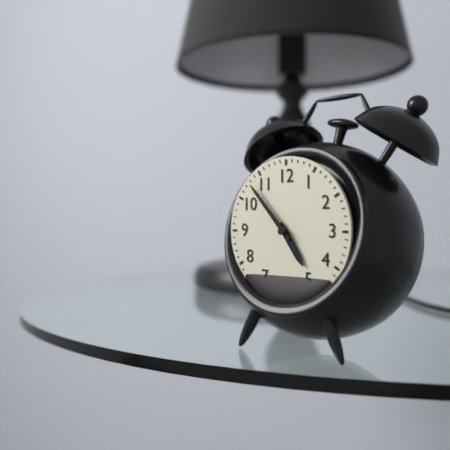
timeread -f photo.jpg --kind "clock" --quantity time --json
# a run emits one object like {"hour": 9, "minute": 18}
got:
{"hour": 4, "minute": 53}
